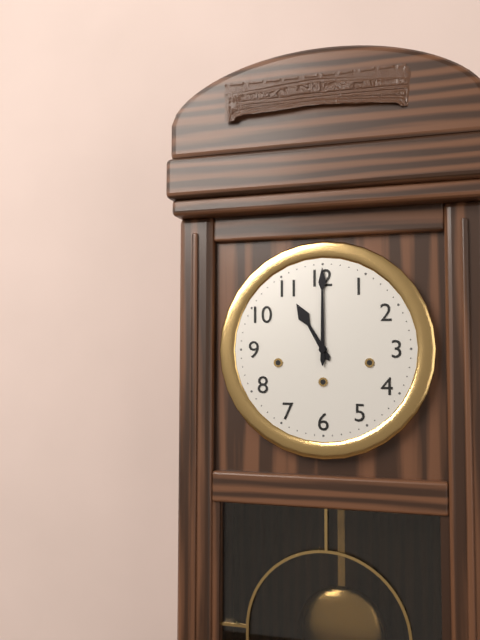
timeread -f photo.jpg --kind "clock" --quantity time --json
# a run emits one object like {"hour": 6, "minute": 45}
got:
{"hour": 11, "minute": 0}
